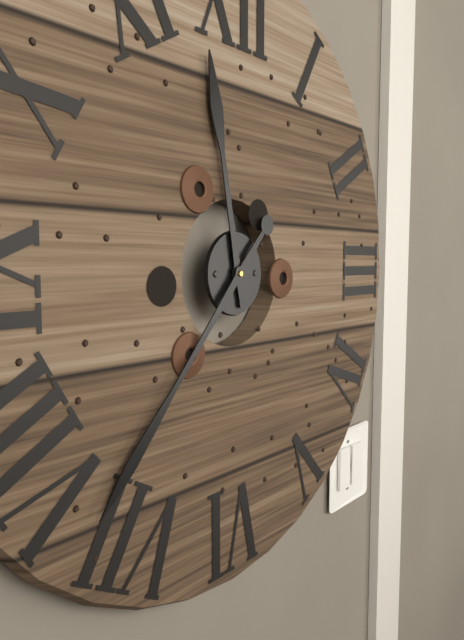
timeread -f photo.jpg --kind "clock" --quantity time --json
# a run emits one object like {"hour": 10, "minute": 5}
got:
{"hour": 11, "minute": 37}
